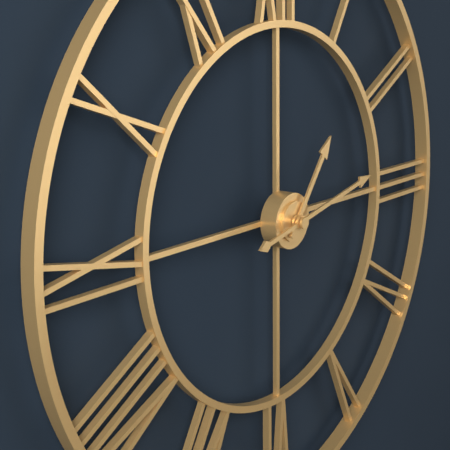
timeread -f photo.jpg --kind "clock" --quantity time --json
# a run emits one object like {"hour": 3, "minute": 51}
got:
{"hour": 1, "minute": 13}
